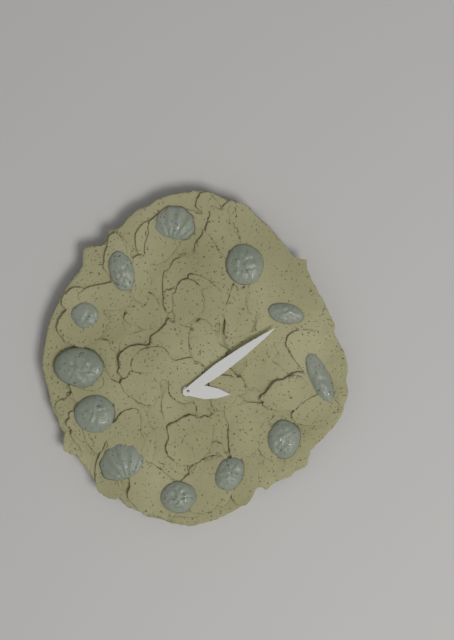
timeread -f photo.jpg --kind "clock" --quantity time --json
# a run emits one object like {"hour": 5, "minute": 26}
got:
{"hour": 3, "minute": 9}
